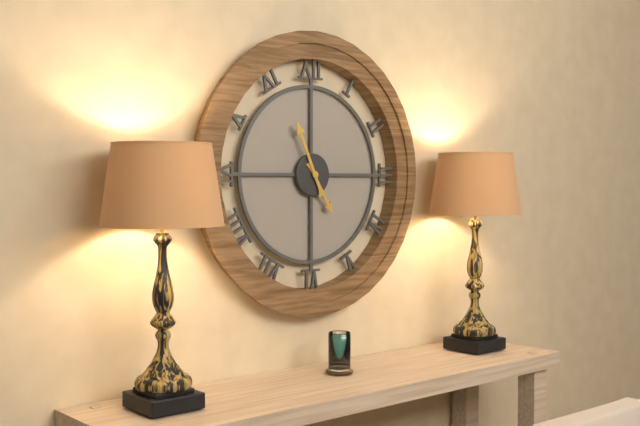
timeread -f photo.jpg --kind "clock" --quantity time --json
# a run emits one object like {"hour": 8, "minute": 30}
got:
{"hour": 4, "minute": 56}
